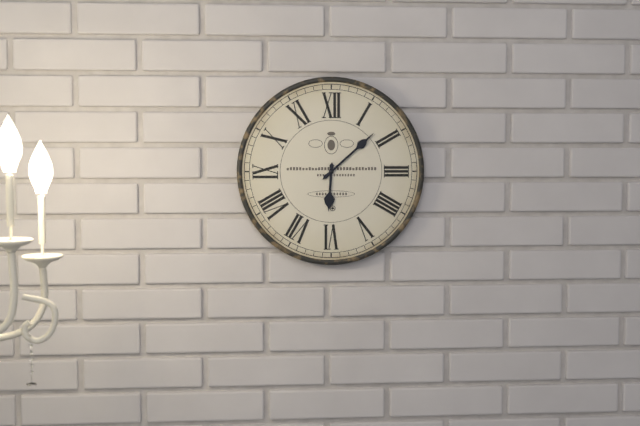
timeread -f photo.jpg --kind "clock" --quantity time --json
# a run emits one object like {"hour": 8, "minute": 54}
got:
{"hour": 6, "minute": 8}
